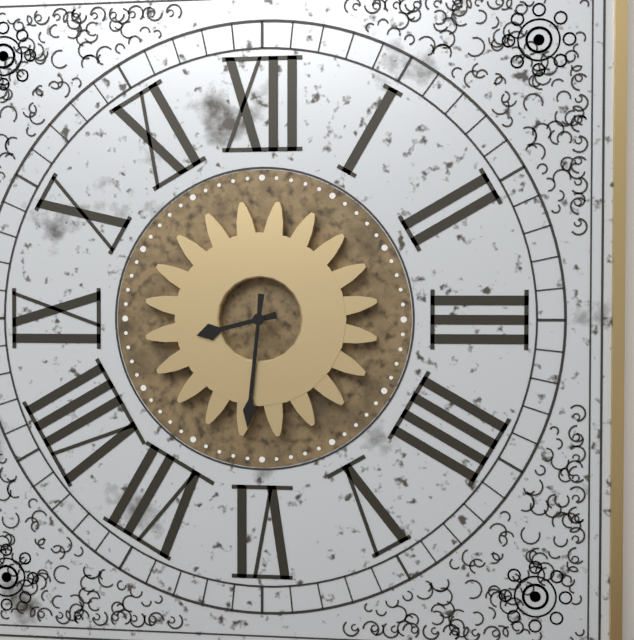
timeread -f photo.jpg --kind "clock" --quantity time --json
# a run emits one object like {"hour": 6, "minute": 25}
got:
{"hour": 8, "minute": 31}
